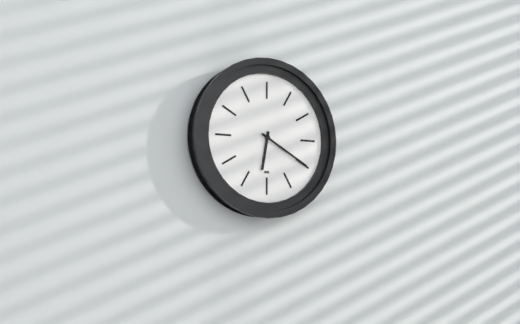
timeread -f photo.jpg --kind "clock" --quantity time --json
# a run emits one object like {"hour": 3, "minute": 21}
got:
{"hour": 6, "minute": 20}
